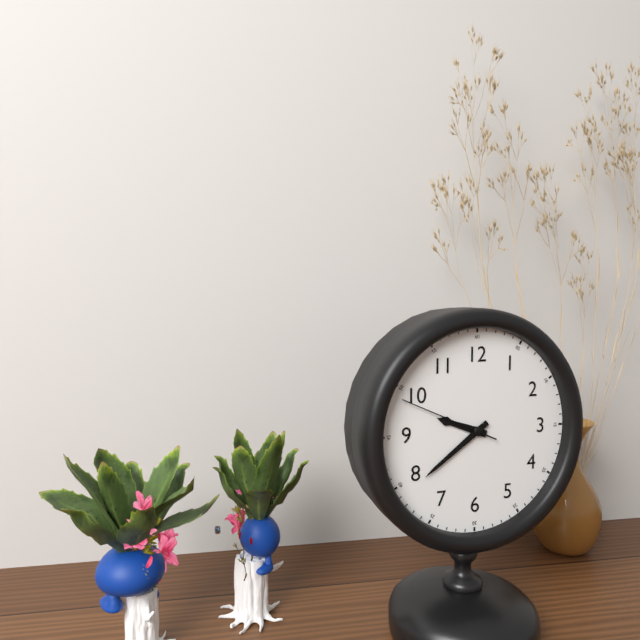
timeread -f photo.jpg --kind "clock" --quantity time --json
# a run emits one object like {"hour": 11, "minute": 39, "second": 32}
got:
{"hour": 9, "minute": 39, "second": 49}
